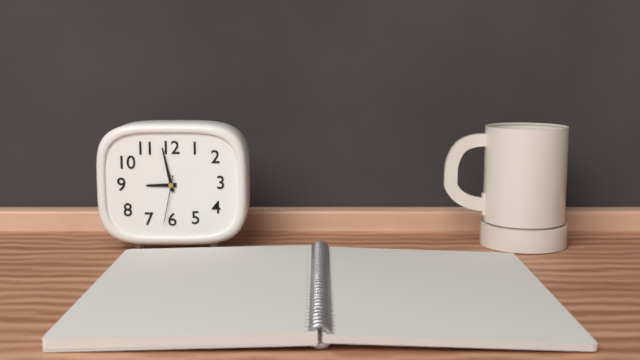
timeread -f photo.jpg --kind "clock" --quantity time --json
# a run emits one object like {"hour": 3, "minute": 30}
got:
{"hour": 8, "minute": 58}
